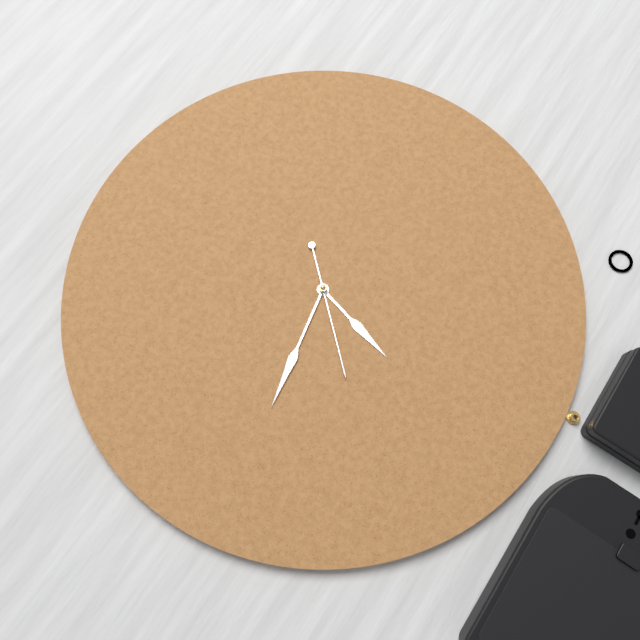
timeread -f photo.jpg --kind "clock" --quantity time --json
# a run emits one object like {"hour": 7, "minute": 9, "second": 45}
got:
{"hour": 3, "minute": 28, "second": 22}
